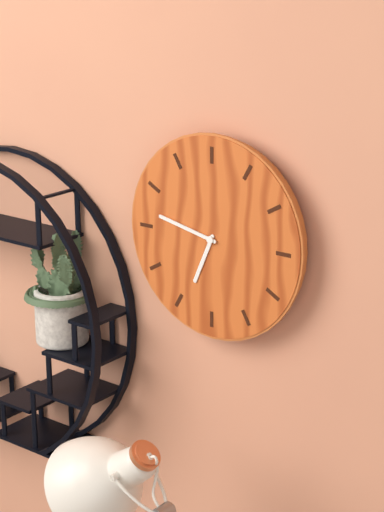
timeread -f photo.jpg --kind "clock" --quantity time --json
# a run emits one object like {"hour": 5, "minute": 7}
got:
{"hour": 6, "minute": 47}
